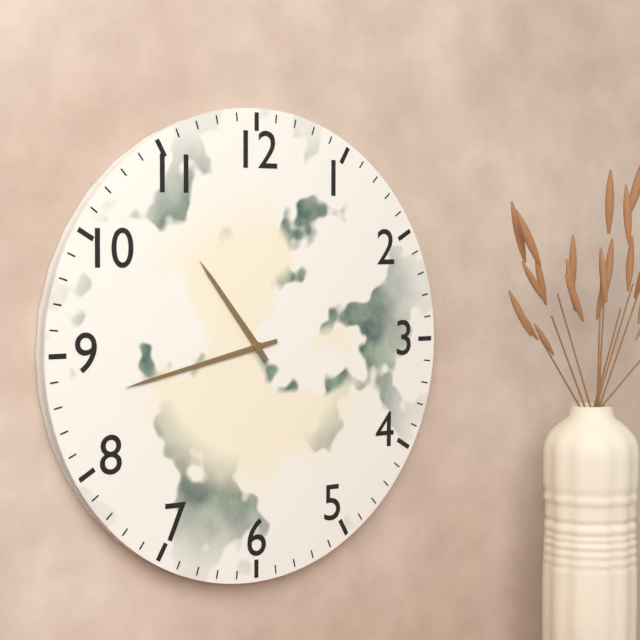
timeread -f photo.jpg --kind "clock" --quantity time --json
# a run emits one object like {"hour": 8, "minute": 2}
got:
{"hour": 10, "minute": 43}
